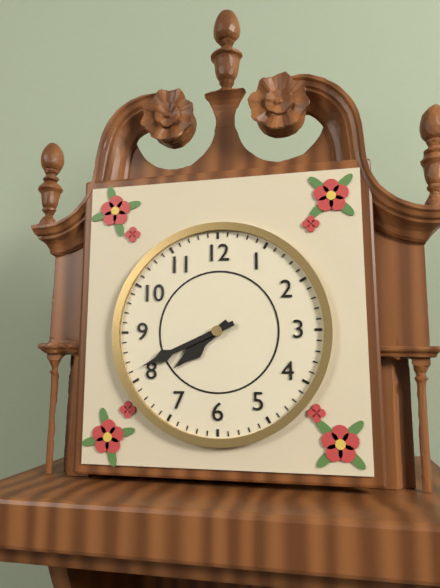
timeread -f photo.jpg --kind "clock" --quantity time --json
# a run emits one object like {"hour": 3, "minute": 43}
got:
{"hour": 7, "minute": 41}
